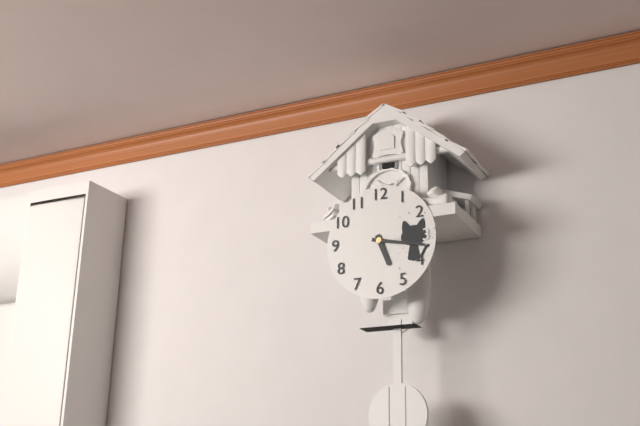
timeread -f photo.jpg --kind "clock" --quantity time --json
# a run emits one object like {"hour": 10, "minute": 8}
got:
{"hour": 5, "minute": 17}
